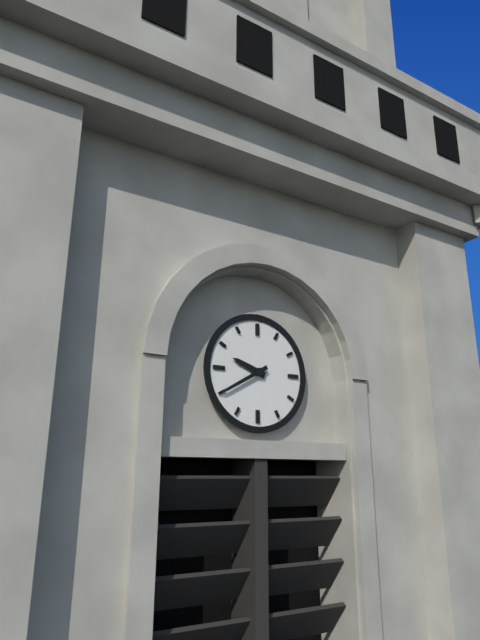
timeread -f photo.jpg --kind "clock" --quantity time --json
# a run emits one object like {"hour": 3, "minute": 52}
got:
{"hour": 9, "minute": 40}
